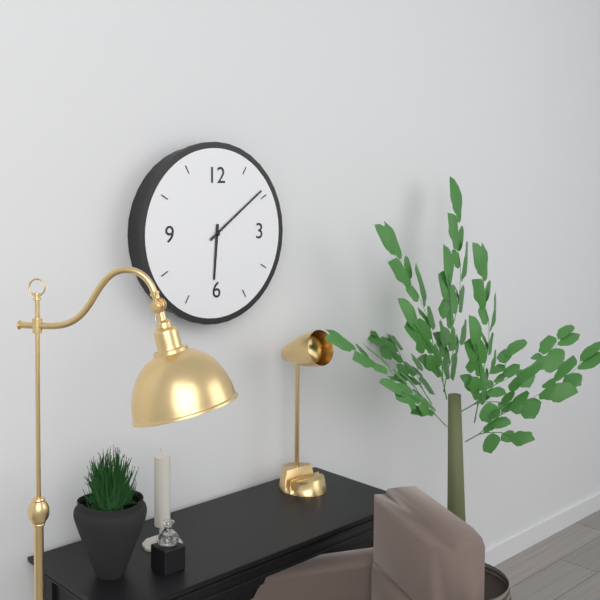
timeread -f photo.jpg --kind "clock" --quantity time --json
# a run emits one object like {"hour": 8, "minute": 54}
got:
{"hour": 6, "minute": 9}
